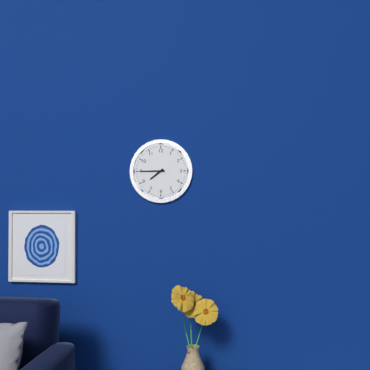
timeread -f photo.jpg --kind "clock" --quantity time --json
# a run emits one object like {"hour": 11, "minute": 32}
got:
{"hour": 7, "minute": 45}
